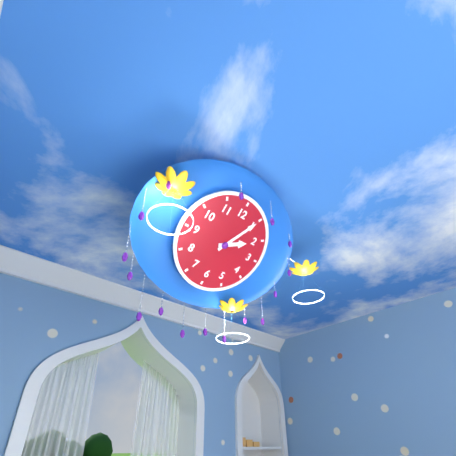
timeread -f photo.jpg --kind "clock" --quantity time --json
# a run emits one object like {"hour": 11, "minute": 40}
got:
{"hour": 2, "minute": 5}
